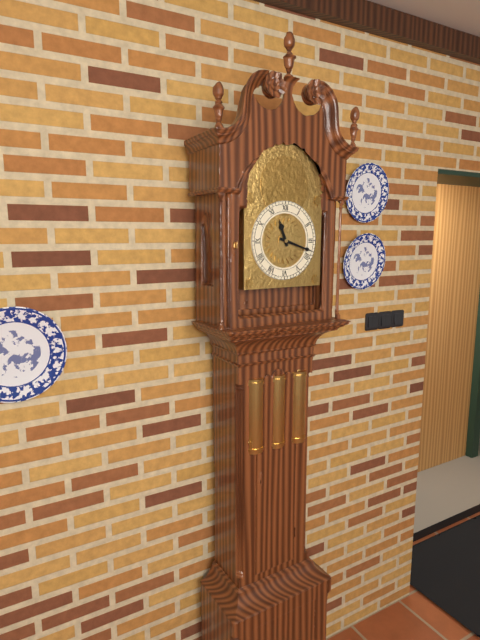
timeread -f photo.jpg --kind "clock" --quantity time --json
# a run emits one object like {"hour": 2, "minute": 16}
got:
{"hour": 11, "minute": 18}
